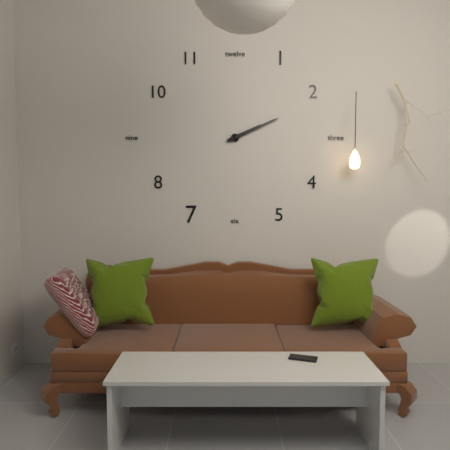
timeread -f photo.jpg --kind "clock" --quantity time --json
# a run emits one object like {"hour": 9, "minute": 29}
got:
{"hour": 2, "minute": 11}
